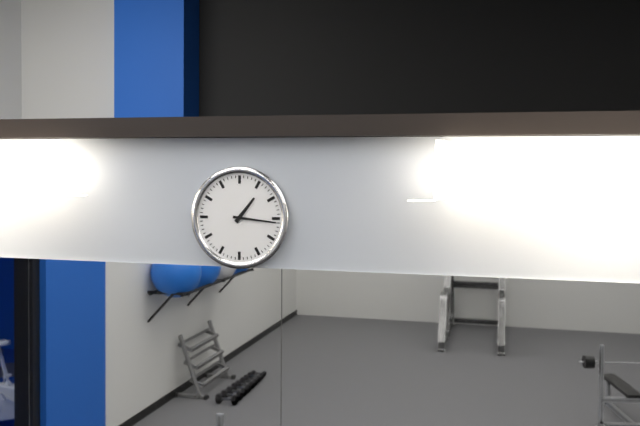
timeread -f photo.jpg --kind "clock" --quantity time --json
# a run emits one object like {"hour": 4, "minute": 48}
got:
{"hour": 1, "minute": 16}
